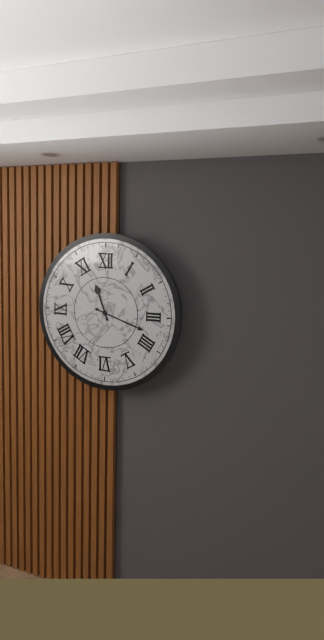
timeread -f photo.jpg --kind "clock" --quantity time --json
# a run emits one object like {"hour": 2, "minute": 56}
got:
{"hour": 11, "minute": 18}
